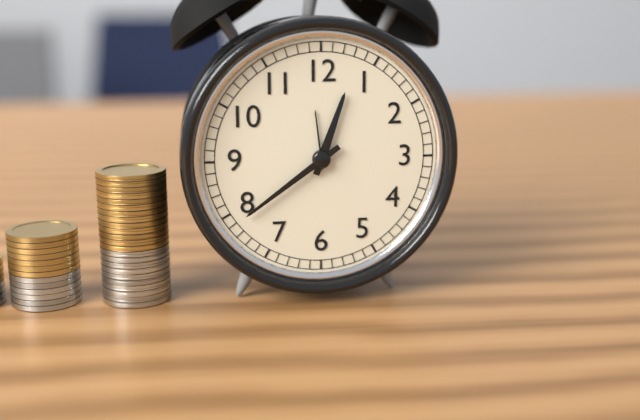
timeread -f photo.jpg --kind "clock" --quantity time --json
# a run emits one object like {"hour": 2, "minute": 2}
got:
{"hour": 12, "minute": 39}
